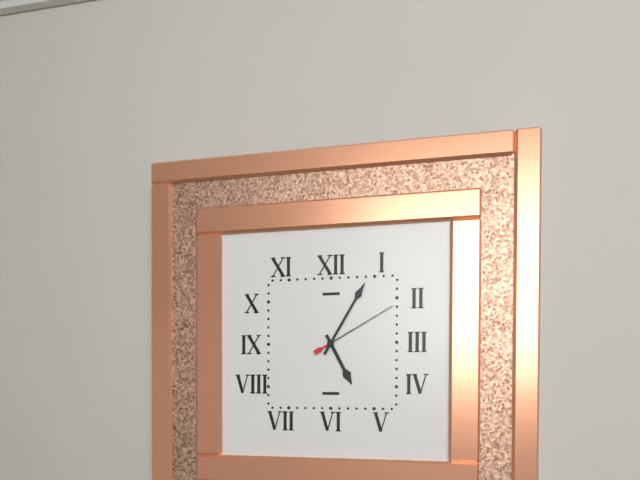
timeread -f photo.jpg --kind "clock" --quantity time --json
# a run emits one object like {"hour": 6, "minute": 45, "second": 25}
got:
{"hour": 5, "minute": 5, "second": 10}
